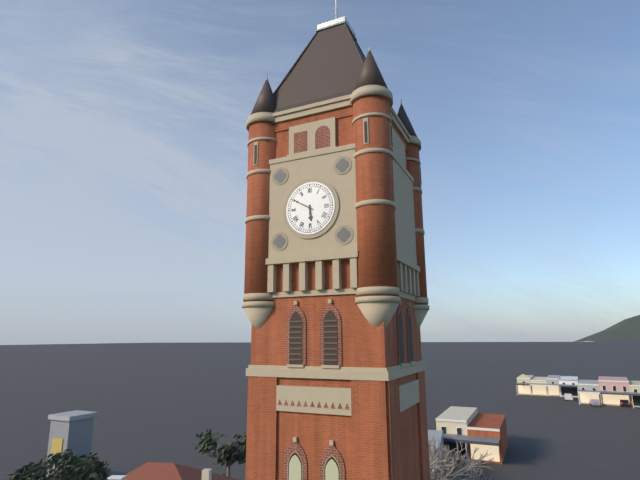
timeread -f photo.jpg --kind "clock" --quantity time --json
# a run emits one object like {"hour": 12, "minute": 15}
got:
{"hour": 5, "minute": 50}
